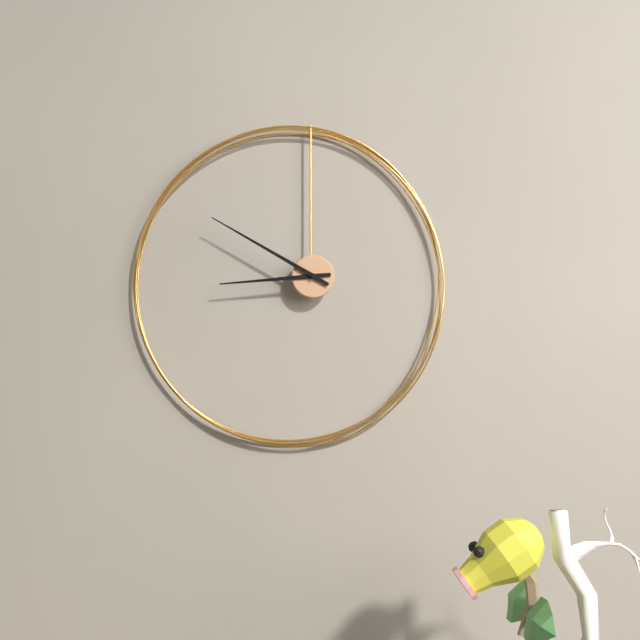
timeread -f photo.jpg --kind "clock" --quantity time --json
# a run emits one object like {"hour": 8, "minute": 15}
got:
{"hour": 8, "minute": 50}
